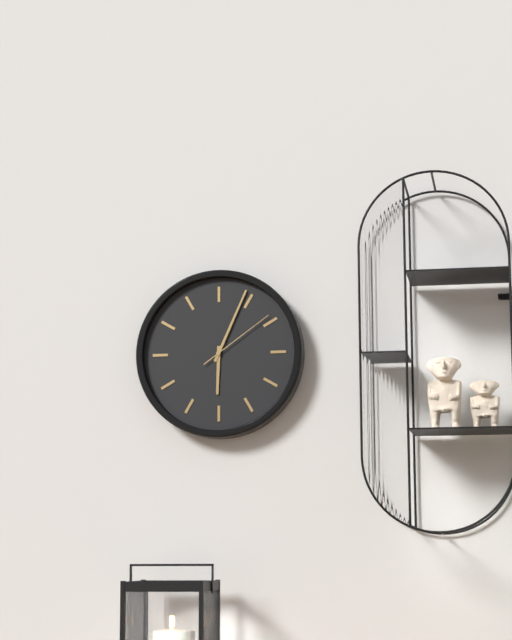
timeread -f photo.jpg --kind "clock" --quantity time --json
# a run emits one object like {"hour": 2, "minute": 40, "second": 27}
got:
{"hour": 6, "minute": 4, "second": 9}
